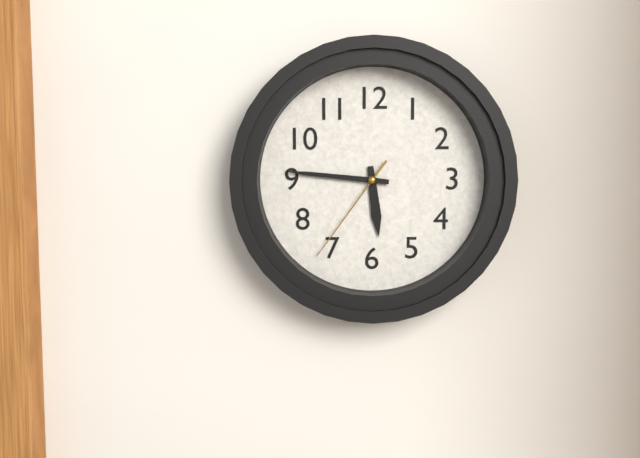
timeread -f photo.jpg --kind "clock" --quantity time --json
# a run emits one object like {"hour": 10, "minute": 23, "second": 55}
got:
{"hour": 5, "minute": 46, "second": 36}
